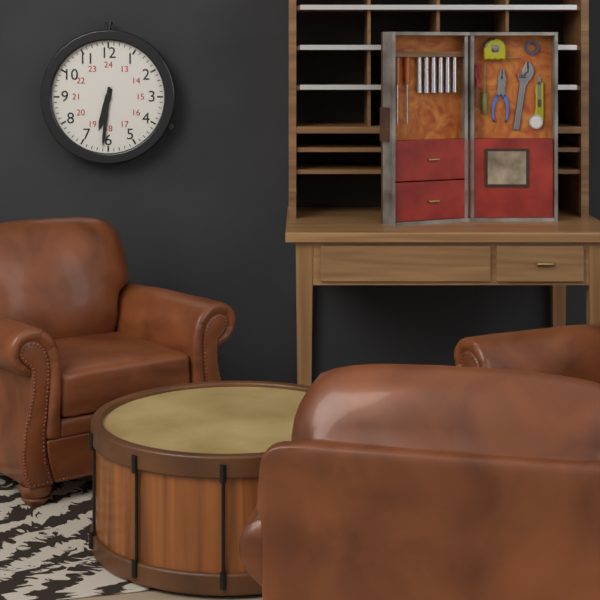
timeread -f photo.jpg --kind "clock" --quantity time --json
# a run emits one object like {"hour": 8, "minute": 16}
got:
{"hour": 6, "minute": 31}
